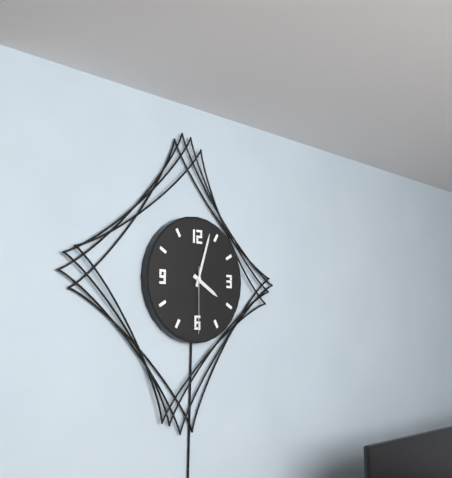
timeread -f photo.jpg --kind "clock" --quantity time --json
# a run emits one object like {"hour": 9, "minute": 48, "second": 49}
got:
{"hour": 4, "minute": 3, "second": 30}
